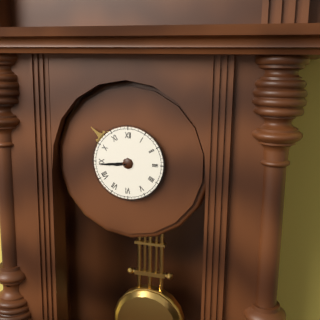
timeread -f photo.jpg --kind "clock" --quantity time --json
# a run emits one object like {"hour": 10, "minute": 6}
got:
{"hour": 8, "minute": 44}
